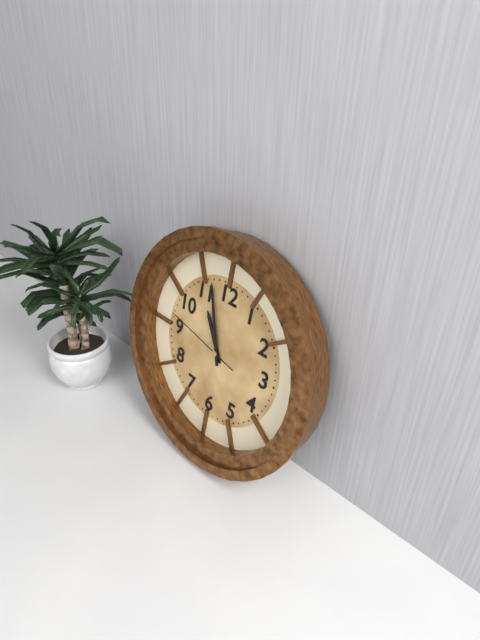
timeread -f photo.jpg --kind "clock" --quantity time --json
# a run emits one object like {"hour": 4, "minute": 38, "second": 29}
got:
{"hour": 10, "minute": 57, "second": 47}
